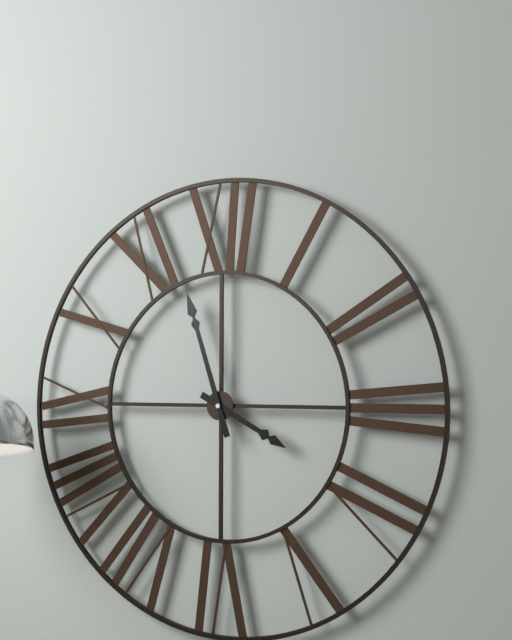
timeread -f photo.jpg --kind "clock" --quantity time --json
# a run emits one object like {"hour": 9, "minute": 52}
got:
{"hour": 3, "minute": 57}
